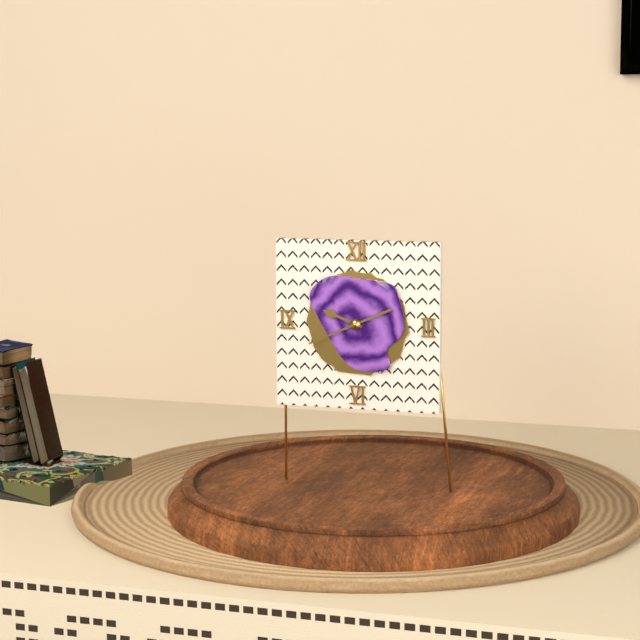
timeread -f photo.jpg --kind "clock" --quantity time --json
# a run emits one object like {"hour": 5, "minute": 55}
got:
{"hour": 9, "minute": 41}
